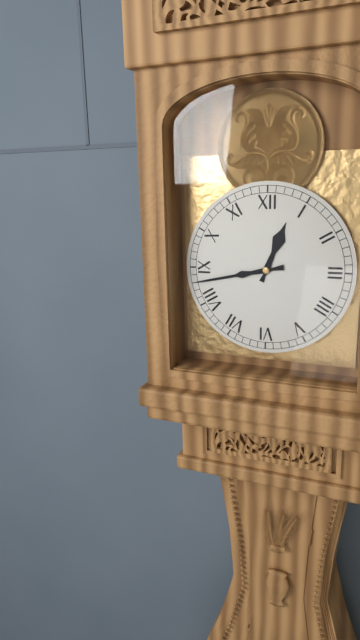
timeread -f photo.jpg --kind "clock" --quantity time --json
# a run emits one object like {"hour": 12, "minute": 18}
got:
{"hour": 12, "minute": 43}
